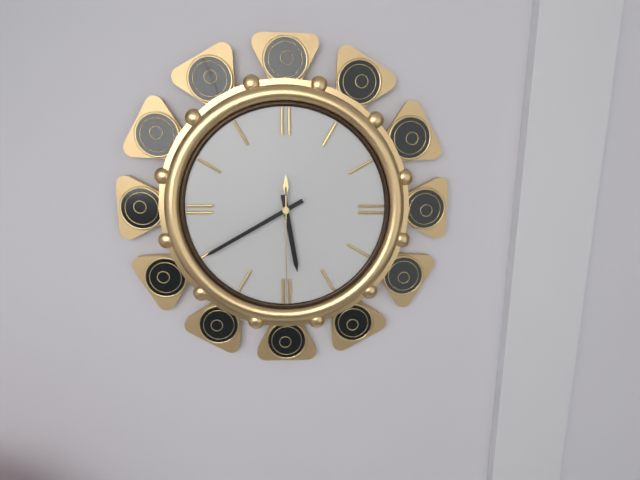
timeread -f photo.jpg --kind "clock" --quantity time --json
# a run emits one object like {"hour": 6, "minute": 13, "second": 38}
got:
{"hour": 5, "minute": 40, "second": 30}
